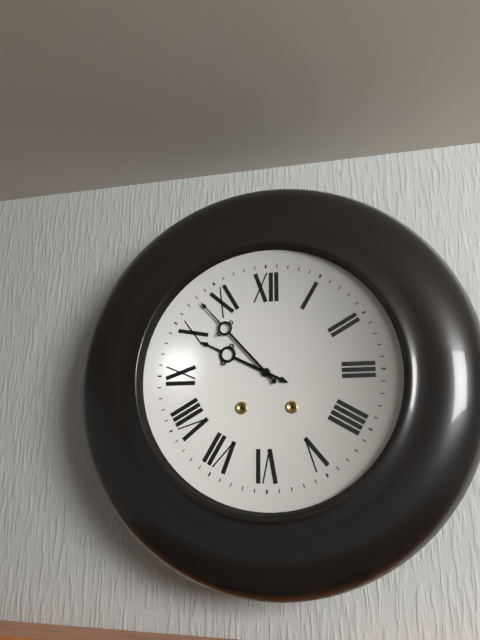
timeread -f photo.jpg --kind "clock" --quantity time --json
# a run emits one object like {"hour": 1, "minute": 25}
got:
{"hour": 9, "minute": 53}
